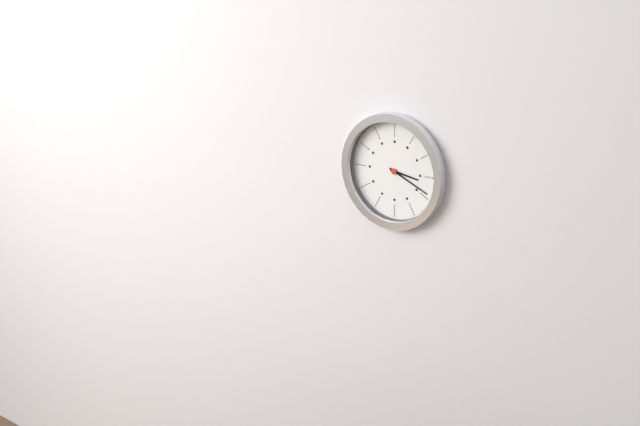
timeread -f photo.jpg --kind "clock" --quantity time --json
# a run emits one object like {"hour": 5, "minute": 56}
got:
{"hour": 3, "minute": 19}
